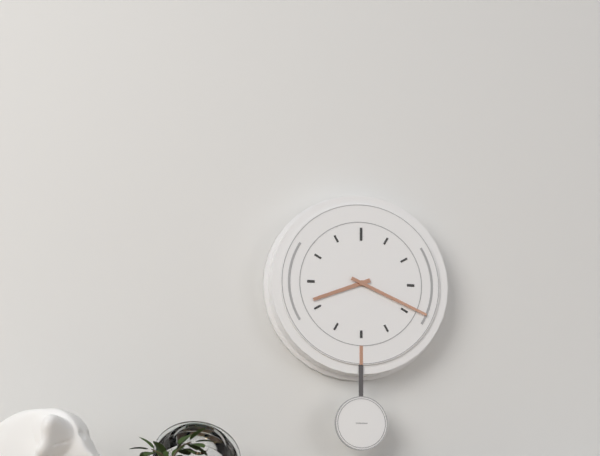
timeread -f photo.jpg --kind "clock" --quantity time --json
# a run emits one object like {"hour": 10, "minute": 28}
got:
{"hour": 8, "minute": 19}
